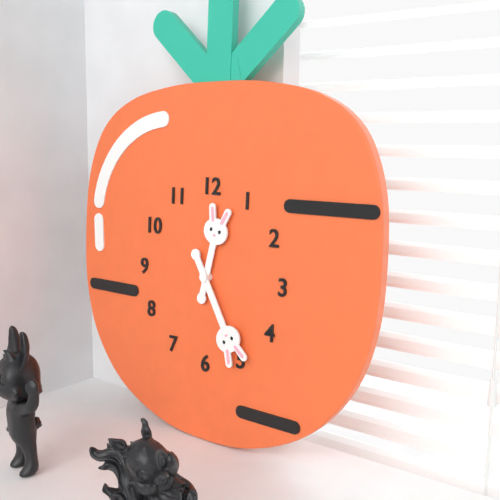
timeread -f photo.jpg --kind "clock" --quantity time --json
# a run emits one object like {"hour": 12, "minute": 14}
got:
{"hour": 12, "minute": 25}
